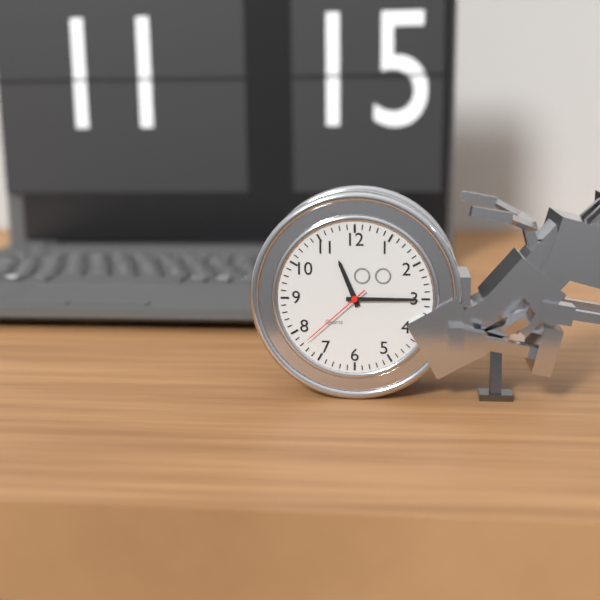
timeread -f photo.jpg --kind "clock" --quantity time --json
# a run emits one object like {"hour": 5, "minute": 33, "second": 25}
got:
{"hour": 11, "minute": 15, "second": 38}
